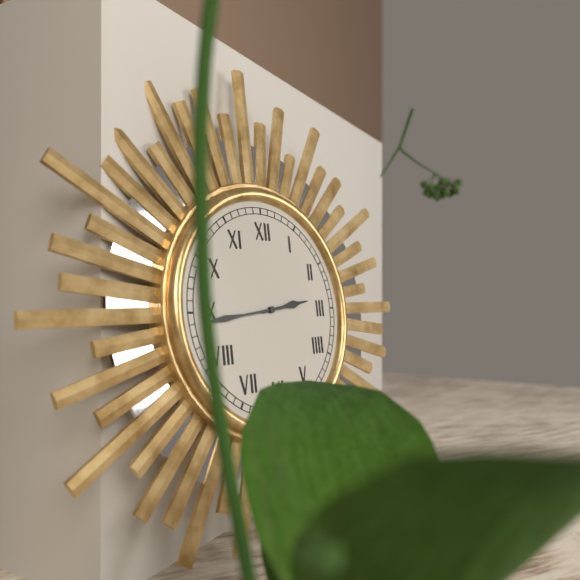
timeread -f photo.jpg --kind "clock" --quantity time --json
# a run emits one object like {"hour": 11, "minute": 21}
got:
{"hour": 2, "minute": 44}
